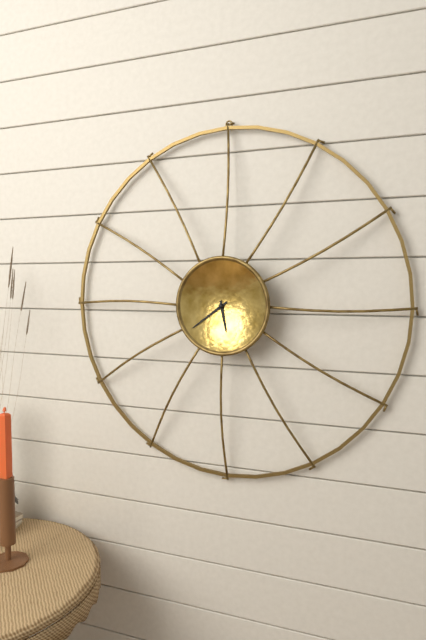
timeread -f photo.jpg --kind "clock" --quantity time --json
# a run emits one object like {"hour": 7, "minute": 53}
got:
{"hour": 5, "minute": 39}
